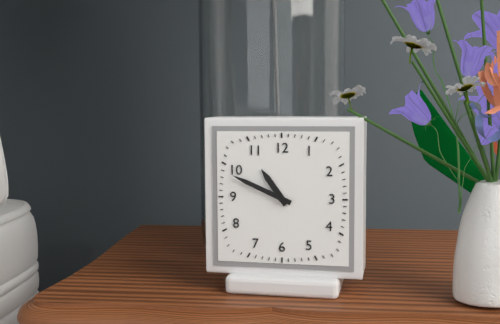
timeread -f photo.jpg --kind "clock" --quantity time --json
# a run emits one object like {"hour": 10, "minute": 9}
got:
{"hour": 10, "minute": 49}
